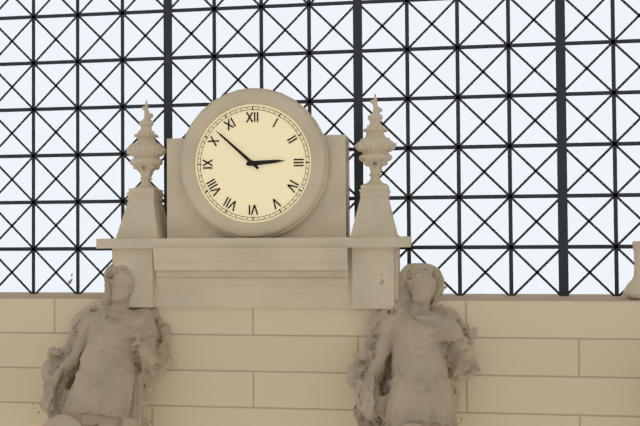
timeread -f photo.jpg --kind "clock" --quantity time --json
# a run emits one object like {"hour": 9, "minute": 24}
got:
{"hour": 2, "minute": 52}
